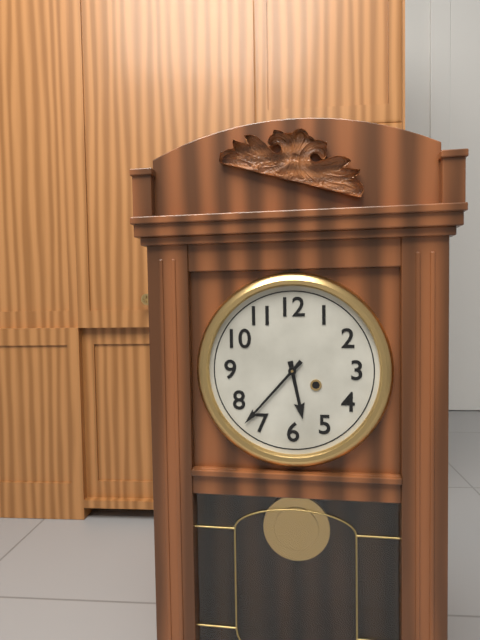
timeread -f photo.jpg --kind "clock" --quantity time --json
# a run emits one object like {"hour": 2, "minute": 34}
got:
{"hour": 5, "minute": 37}
